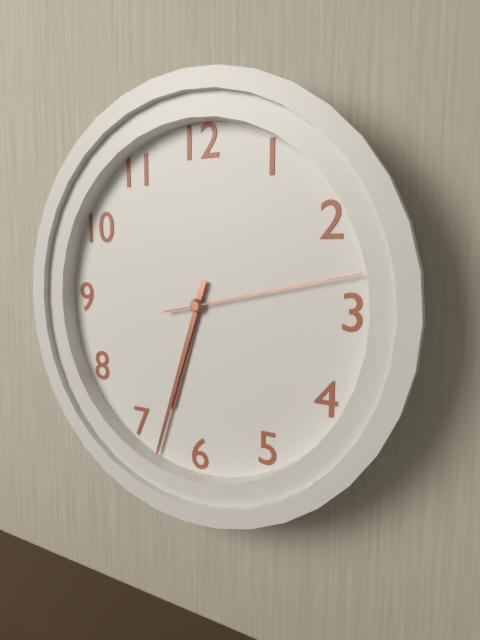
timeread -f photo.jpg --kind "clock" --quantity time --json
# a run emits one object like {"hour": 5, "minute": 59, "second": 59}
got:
{"hour": 6, "minute": 33, "second": 13}
